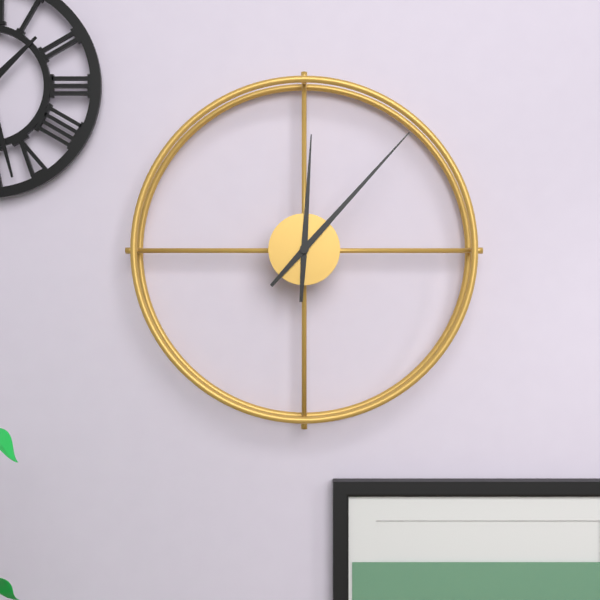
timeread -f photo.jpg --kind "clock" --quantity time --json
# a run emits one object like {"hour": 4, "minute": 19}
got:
{"hour": 12, "minute": 7}
